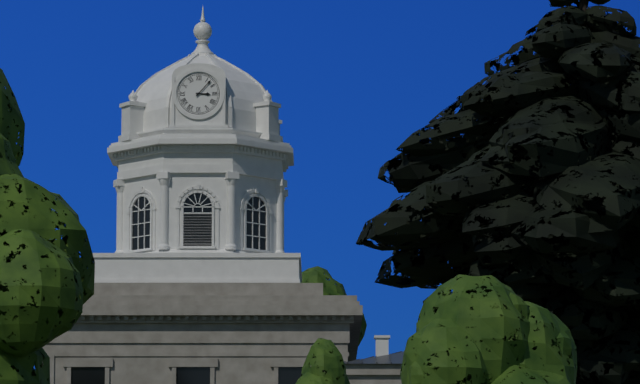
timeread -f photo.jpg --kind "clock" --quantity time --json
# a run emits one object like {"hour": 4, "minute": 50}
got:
{"hour": 3, "minute": 7}
